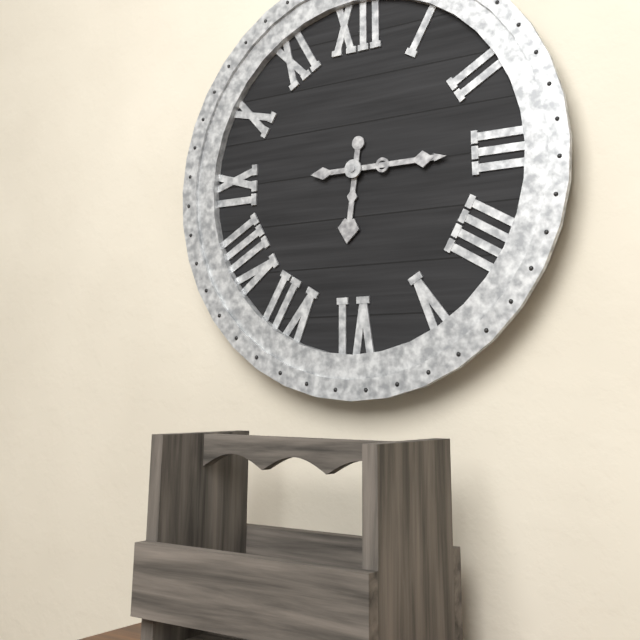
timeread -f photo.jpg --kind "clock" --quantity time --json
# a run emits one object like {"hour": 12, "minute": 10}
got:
{"hour": 6, "minute": 15}
